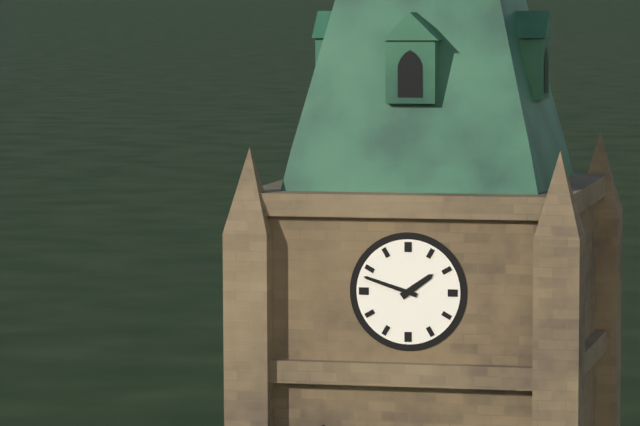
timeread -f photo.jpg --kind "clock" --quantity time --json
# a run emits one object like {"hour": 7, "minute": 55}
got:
{"hour": 1, "minute": 48}
